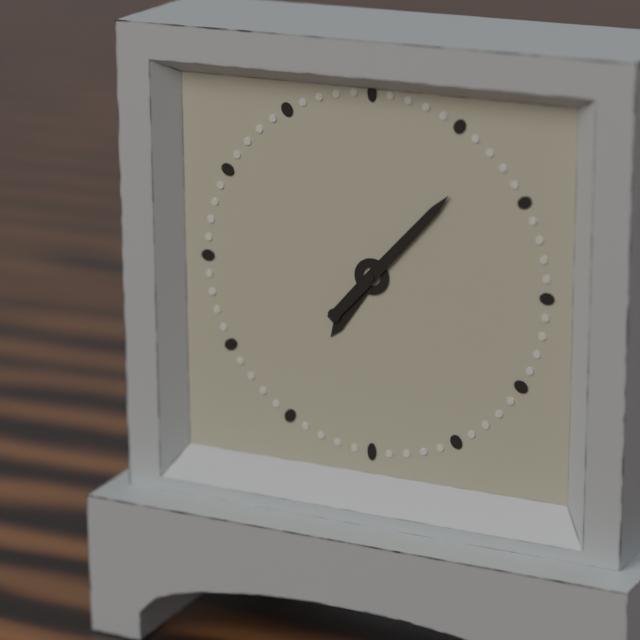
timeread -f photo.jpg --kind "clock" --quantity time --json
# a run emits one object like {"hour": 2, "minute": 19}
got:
{"hour": 7, "minute": 7}
